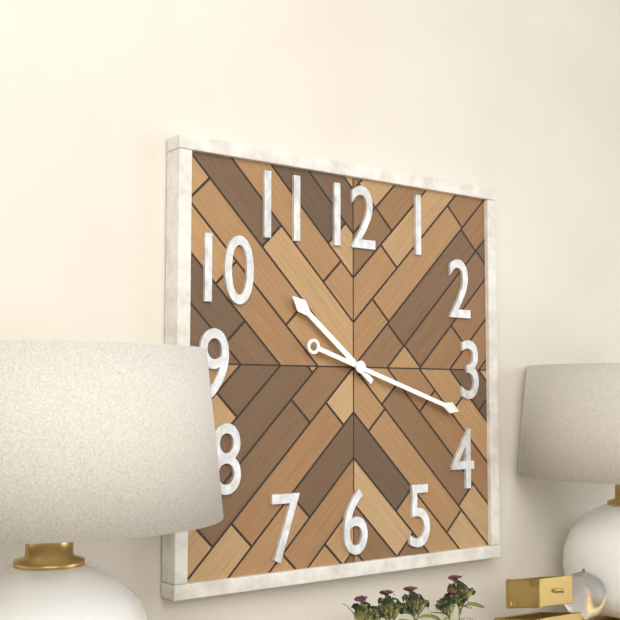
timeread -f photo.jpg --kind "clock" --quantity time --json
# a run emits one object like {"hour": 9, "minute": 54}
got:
{"hour": 10, "minute": 18}
